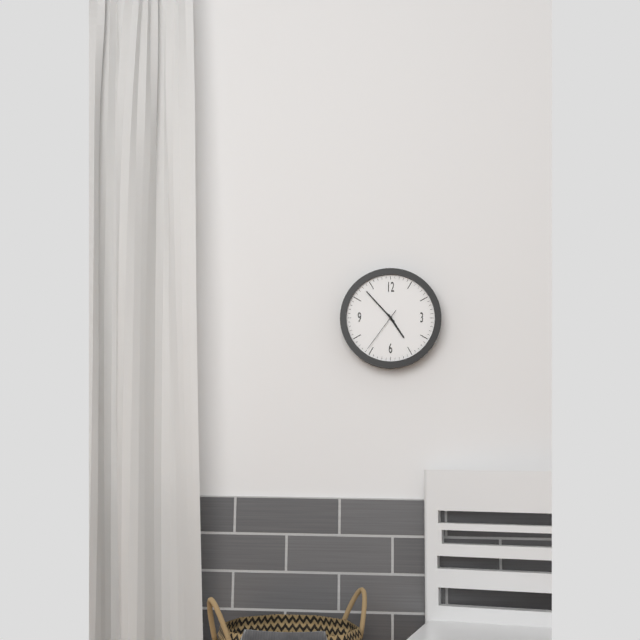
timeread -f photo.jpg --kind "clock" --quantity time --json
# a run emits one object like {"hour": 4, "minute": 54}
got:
{"hour": 4, "minute": 53}
